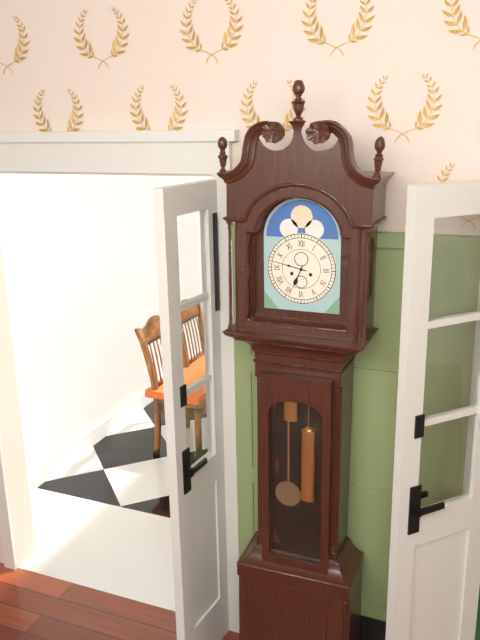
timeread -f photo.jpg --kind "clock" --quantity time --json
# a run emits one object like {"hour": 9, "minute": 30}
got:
{"hour": 6, "minute": 47}
